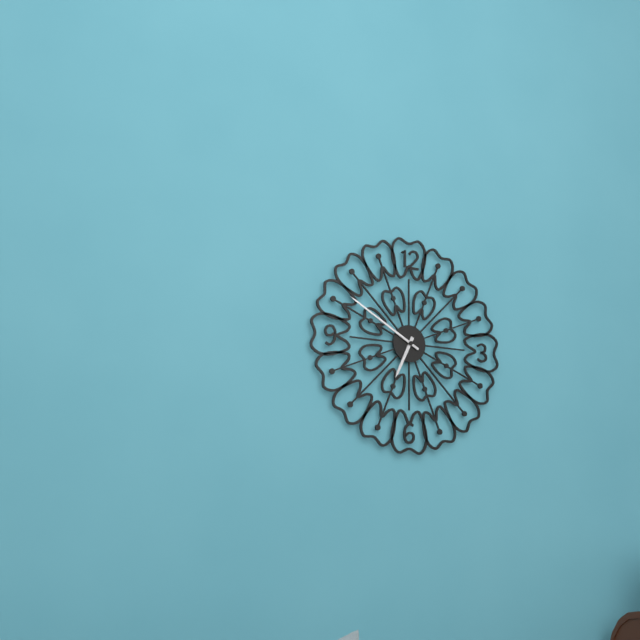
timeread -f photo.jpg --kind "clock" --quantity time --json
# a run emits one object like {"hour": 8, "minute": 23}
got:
{"hour": 6, "minute": 50}
